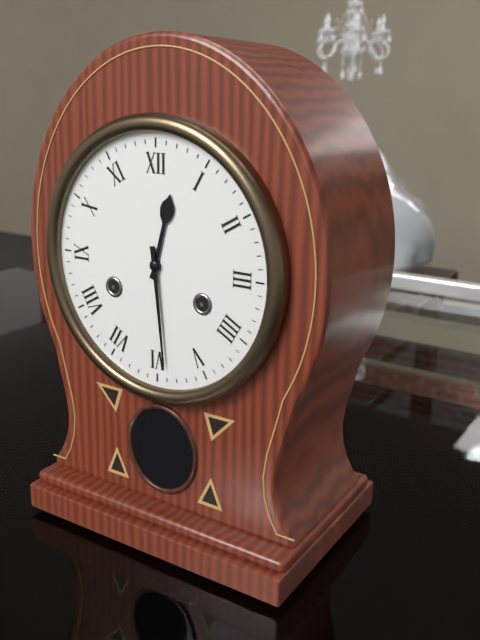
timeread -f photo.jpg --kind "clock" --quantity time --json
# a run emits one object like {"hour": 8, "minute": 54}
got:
{"hour": 12, "minute": 29}
